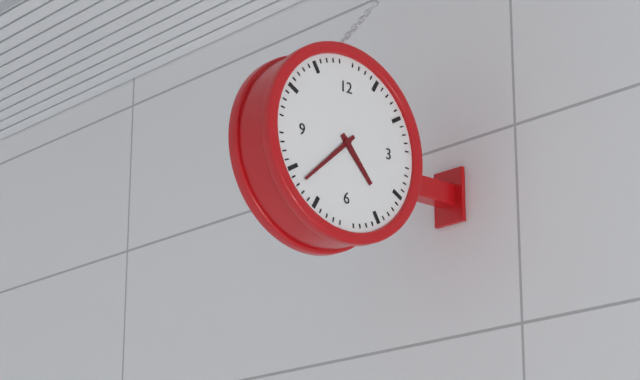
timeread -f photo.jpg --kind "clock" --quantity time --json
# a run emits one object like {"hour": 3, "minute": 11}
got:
{"hour": 4, "minute": 38}
